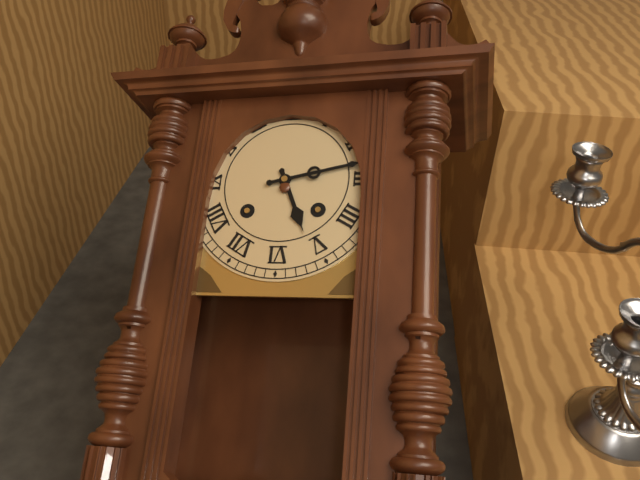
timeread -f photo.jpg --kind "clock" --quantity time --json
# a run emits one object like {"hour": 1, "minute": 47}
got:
{"hour": 5, "minute": 13}
